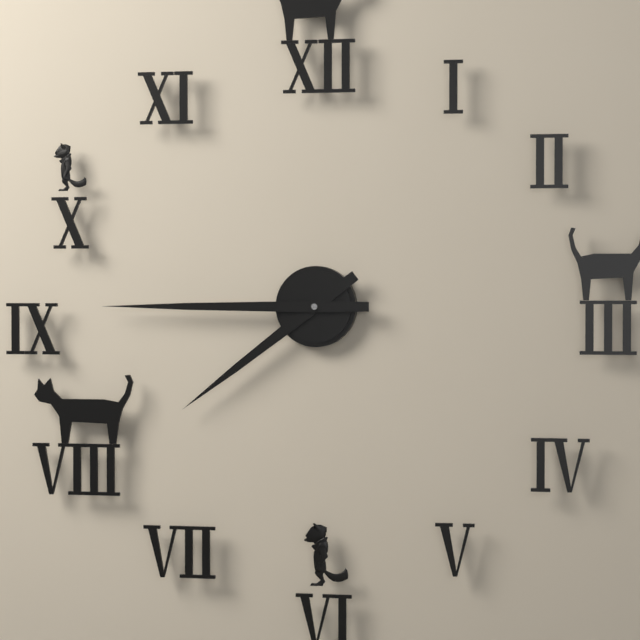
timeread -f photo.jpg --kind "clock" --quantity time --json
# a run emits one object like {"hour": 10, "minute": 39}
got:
{"hour": 7, "minute": 45}
